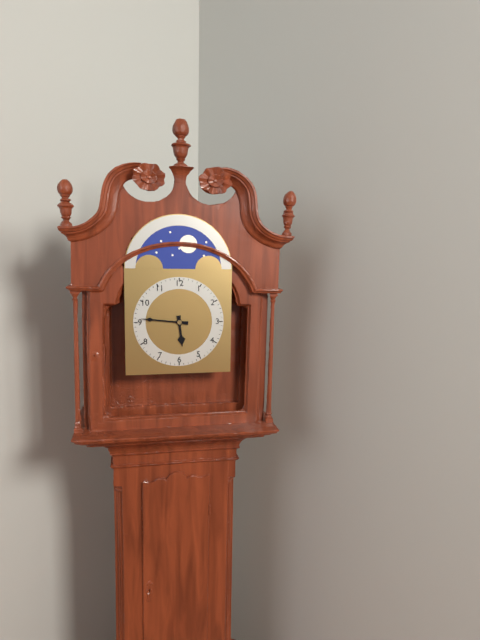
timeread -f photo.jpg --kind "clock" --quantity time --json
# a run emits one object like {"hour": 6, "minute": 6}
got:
{"hour": 5, "minute": 46}
